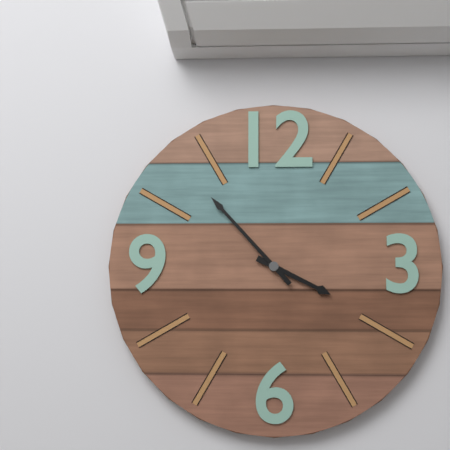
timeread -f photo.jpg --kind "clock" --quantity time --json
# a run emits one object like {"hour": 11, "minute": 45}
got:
{"hour": 3, "minute": 53}
